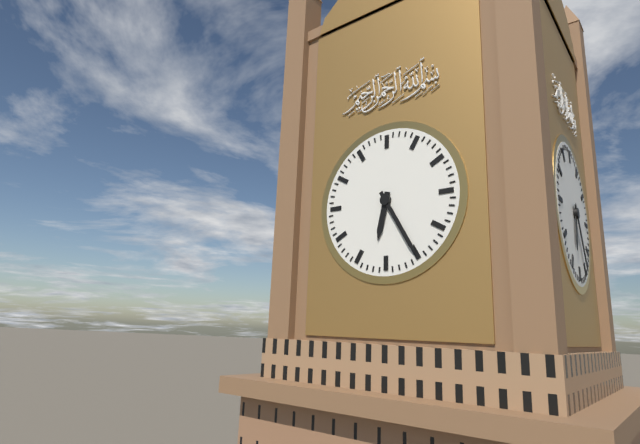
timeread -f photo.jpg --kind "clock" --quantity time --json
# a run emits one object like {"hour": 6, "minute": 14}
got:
{"hour": 6, "minute": 25}
